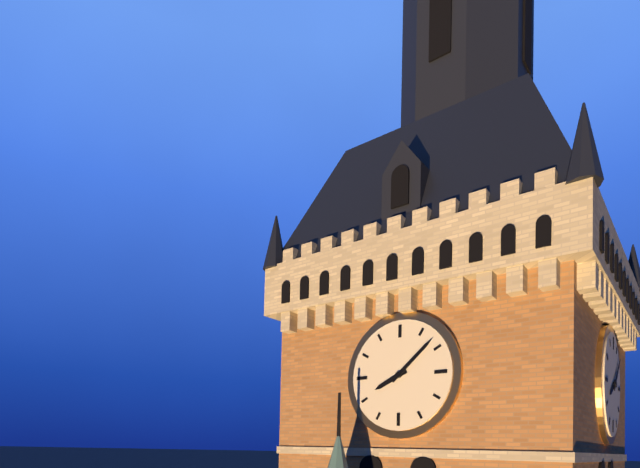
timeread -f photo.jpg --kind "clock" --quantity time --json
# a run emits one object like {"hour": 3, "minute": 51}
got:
{"hour": 8, "minute": 8}
